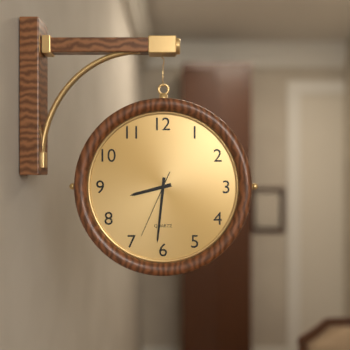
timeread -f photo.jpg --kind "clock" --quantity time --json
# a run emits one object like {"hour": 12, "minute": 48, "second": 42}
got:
{"hour": 8, "minute": 31, "second": 34}
